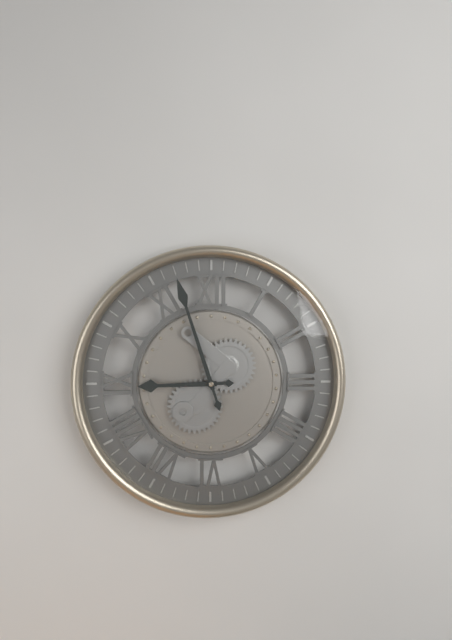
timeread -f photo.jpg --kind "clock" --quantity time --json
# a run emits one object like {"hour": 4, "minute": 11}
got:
{"hour": 8, "minute": 57}
